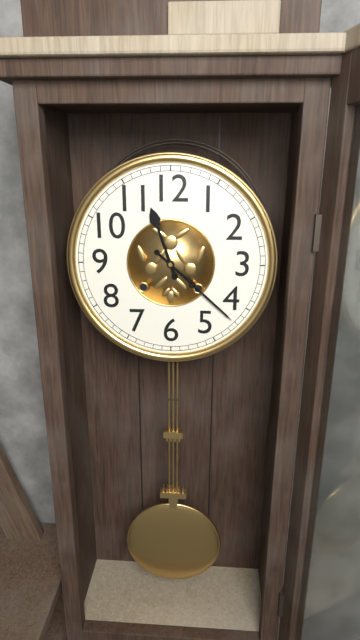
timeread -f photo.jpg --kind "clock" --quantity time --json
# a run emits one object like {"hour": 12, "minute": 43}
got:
{"hour": 11, "minute": 22}
